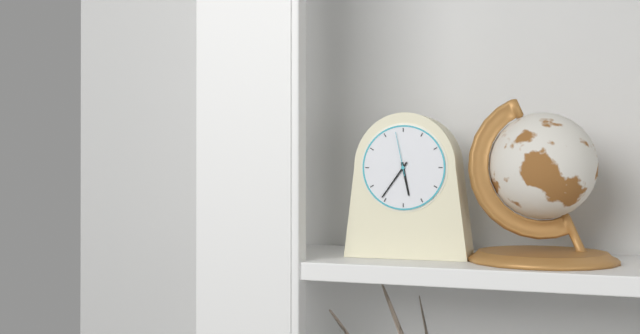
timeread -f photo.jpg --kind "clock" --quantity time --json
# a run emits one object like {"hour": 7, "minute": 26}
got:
{"hour": 5, "minute": 36}
